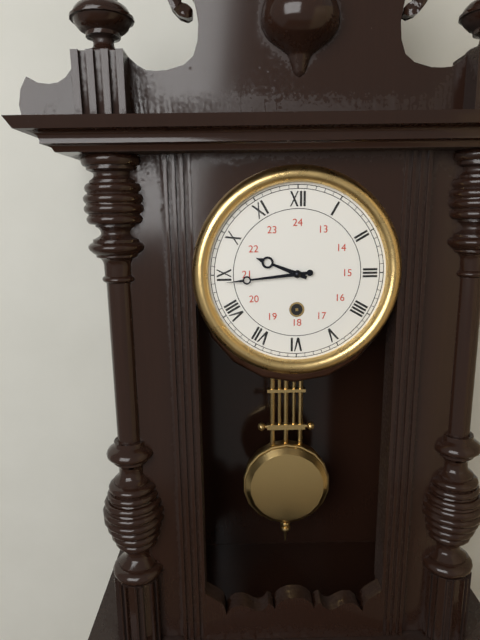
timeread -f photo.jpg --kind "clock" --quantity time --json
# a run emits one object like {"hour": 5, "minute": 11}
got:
{"hour": 9, "minute": 44}
